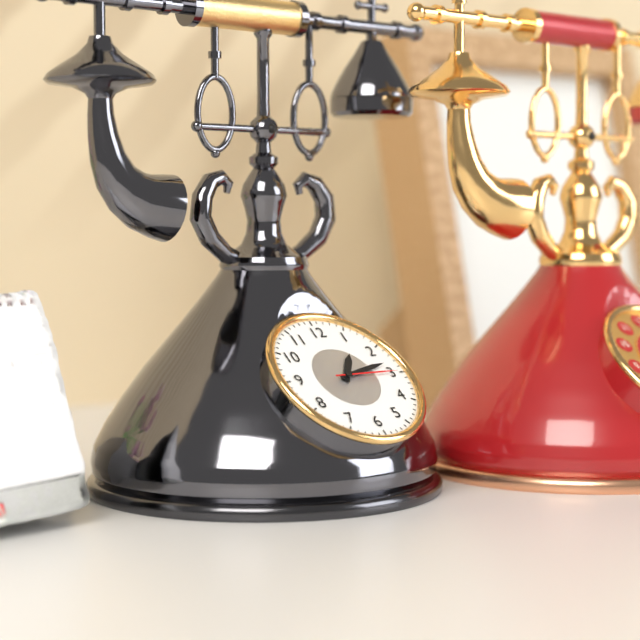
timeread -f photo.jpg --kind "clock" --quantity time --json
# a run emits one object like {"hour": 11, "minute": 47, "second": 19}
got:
{"hour": 1, "minute": 13, "second": 15}
